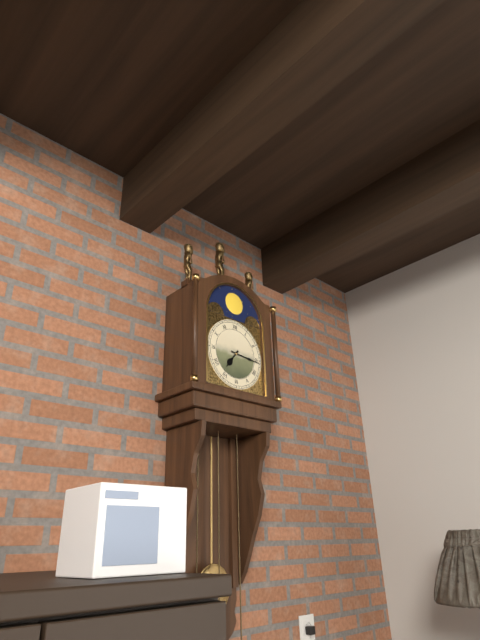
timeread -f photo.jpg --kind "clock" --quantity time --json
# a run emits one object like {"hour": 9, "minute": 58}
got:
{"hour": 7, "minute": 16}
